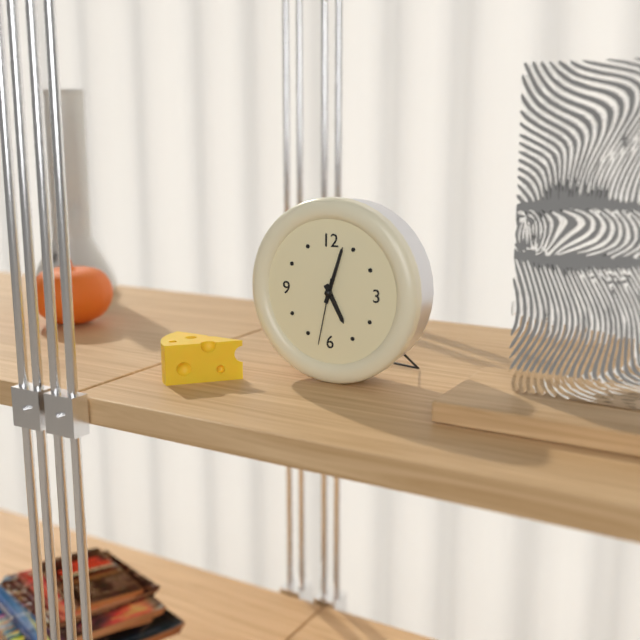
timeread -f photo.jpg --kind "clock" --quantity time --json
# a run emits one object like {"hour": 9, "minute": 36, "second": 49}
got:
{"hour": 5, "minute": 3, "second": 32}
